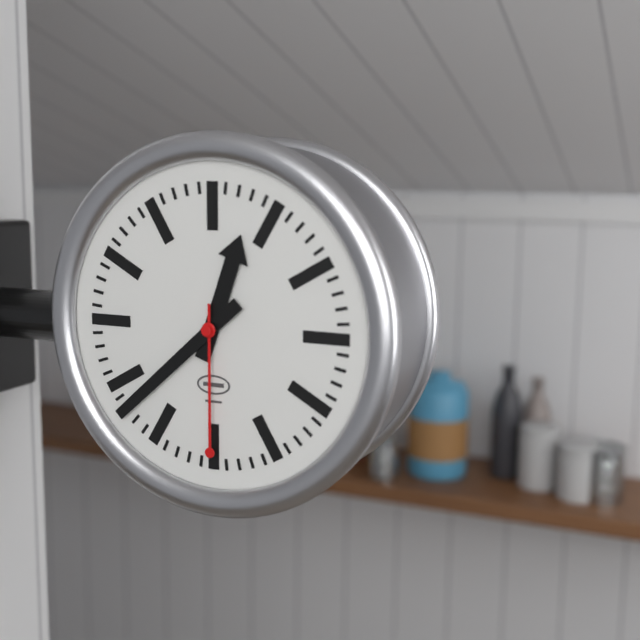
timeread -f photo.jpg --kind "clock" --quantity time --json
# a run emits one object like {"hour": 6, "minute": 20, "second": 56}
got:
{"hour": 12, "minute": 38, "second": 30}
